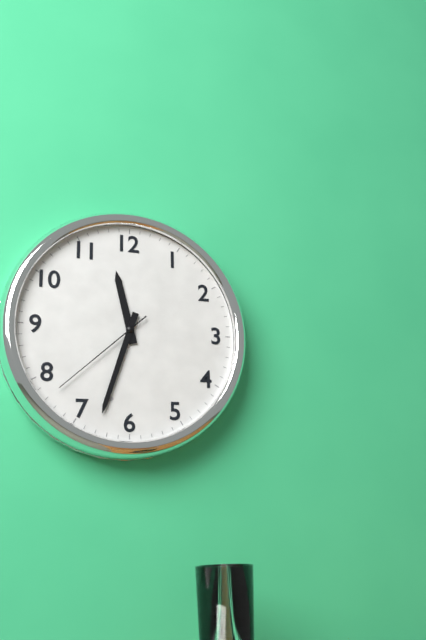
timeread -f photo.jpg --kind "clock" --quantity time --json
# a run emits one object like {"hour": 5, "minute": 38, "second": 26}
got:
{"hour": 11, "minute": 33, "second": 38}
